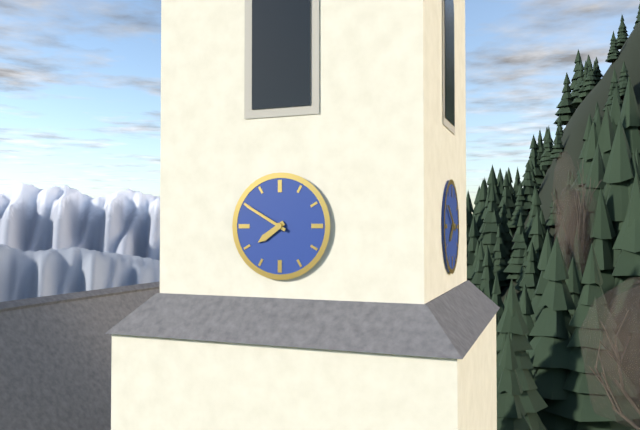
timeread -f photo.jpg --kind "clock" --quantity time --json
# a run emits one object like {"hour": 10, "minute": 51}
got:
{"hour": 7, "minute": 50}
